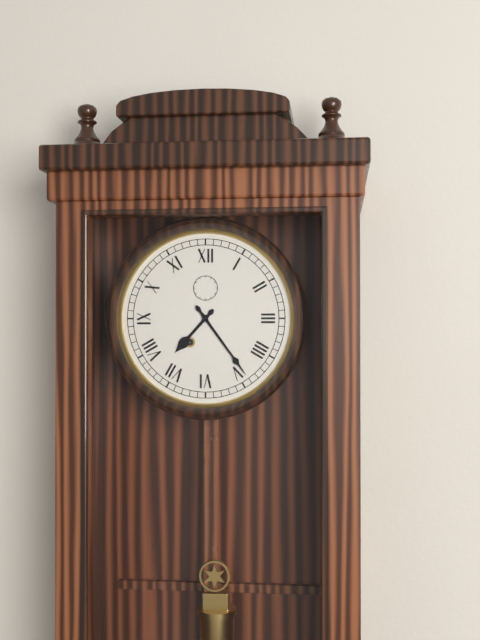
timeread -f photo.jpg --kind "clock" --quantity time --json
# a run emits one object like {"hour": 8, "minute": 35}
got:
{"hour": 7, "minute": 24}
